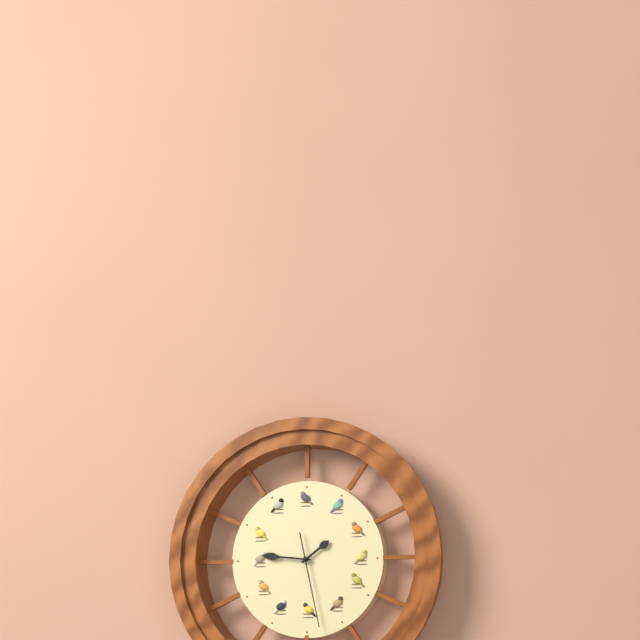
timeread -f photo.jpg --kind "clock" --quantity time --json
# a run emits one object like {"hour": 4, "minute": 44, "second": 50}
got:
{"hour": 1, "minute": 46, "second": 28}
